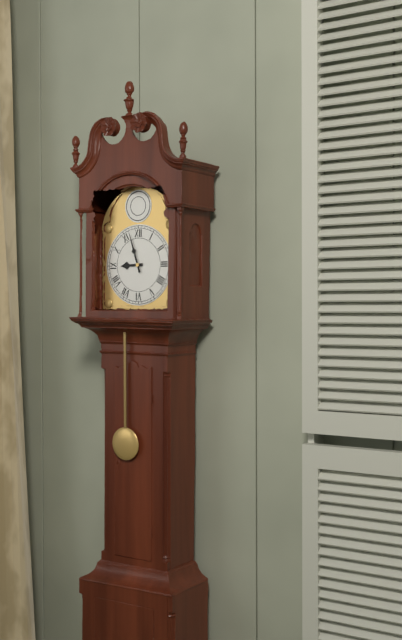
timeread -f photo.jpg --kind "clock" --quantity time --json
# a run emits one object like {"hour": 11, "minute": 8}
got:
{"hour": 8, "minute": 57}
